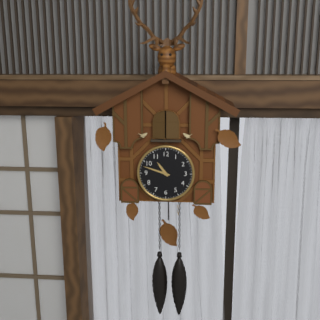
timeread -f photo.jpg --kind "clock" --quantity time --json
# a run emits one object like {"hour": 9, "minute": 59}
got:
{"hour": 10, "minute": 48}
